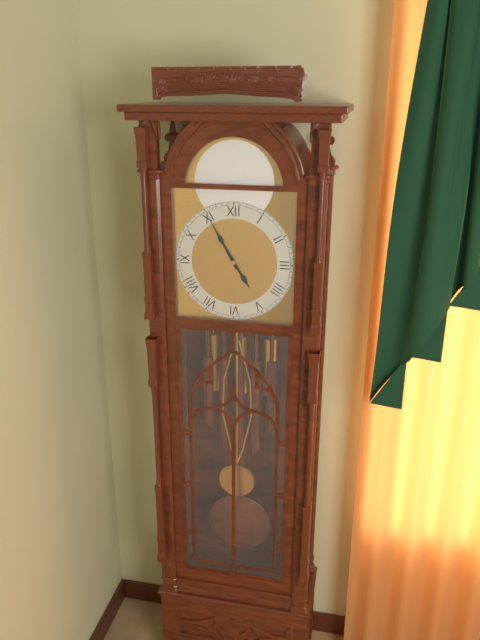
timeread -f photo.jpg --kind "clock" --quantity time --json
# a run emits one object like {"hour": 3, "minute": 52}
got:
{"hour": 4, "minute": 55}
